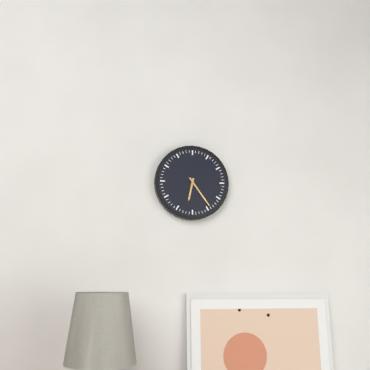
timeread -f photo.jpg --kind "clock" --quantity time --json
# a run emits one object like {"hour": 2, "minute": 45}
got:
{"hour": 6, "minute": 24}
